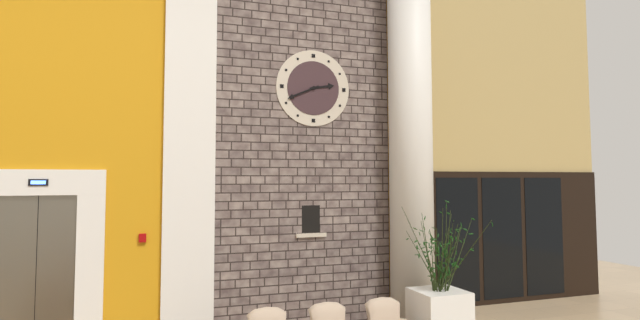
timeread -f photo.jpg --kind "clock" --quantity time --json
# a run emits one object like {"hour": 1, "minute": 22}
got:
{"hour": 2, "minute": 41}
